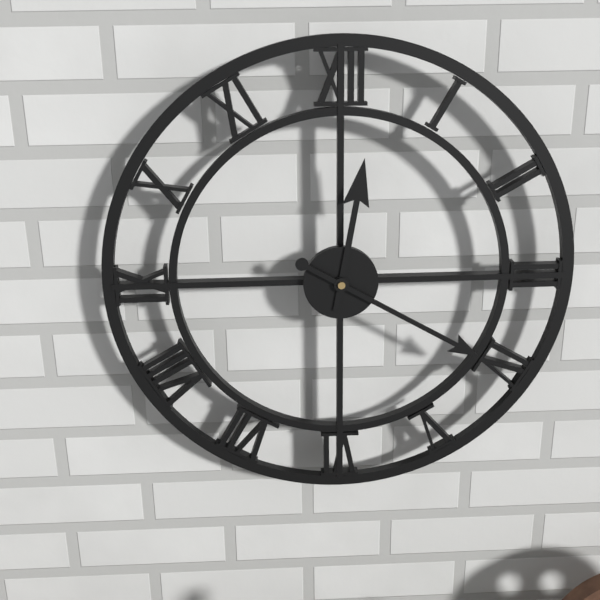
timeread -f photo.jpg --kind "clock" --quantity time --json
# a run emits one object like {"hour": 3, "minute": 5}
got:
{"hour": 12, "minute": 20}
